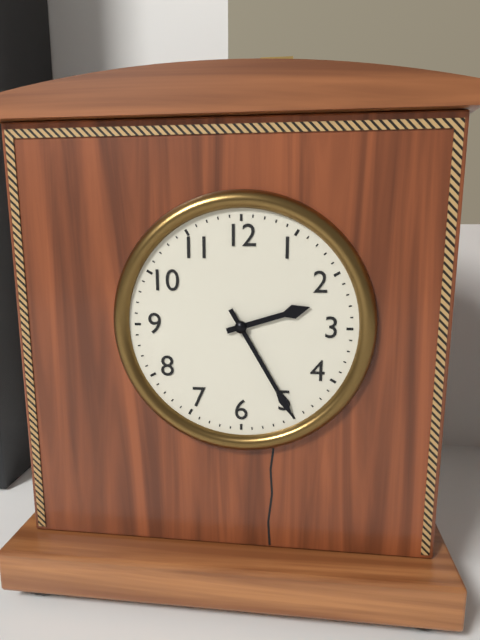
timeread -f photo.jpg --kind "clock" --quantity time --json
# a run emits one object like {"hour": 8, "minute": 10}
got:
{"hour": 2, "minute": 25}
